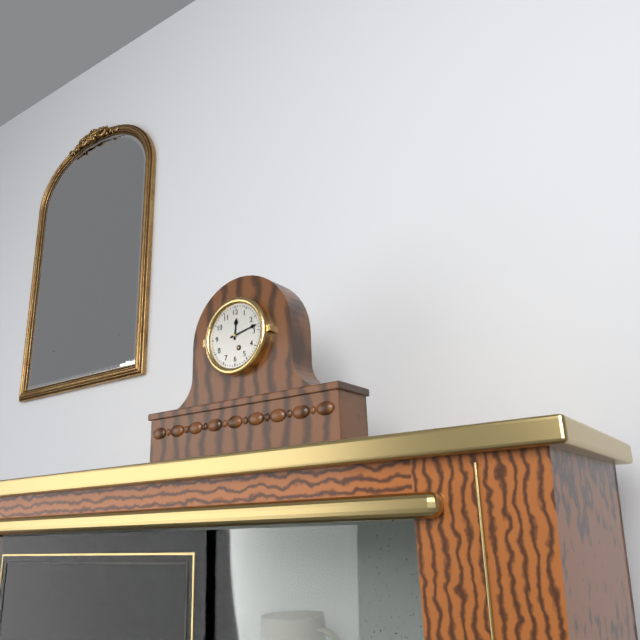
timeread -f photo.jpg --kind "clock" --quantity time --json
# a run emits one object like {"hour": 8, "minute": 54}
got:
{"hour": 12, "minute": 13}
